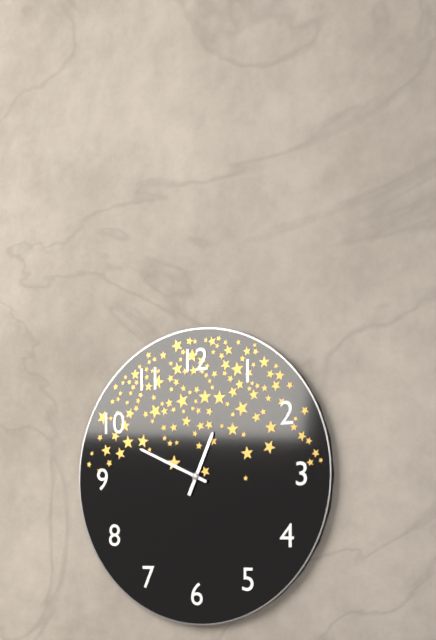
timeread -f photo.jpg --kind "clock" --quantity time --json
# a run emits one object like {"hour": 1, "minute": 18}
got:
{"hour": 12, "minute": 49}
